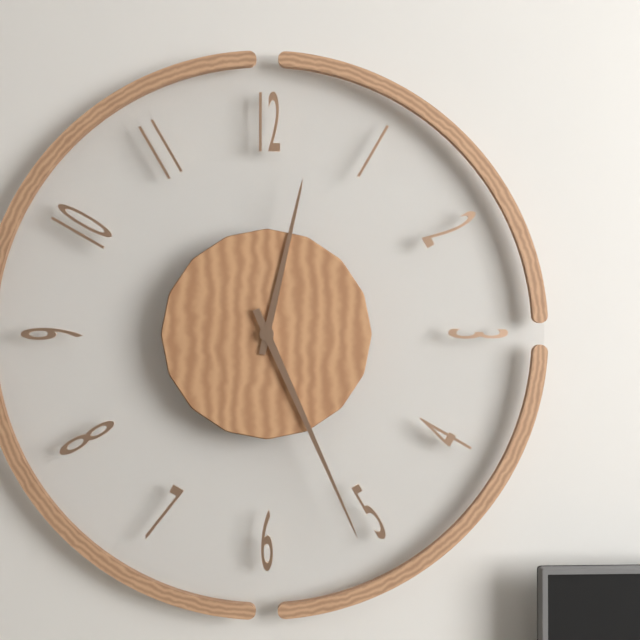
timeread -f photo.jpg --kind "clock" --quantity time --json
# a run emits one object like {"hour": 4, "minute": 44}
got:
{"hour": 12, "minute": 26}
